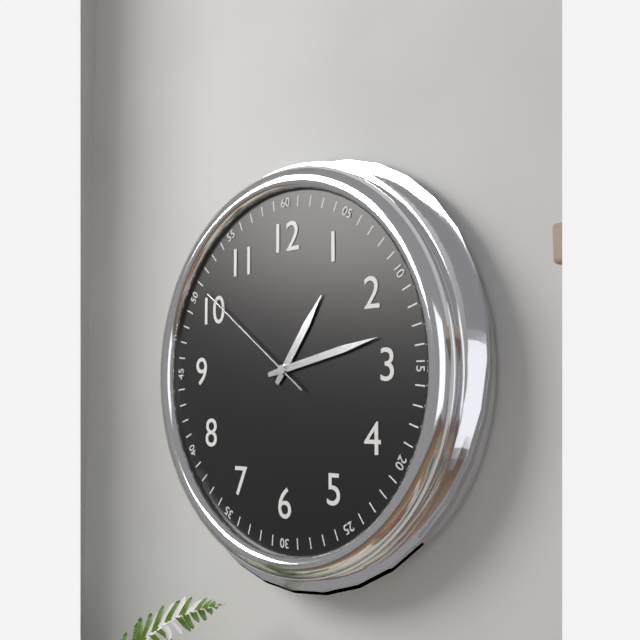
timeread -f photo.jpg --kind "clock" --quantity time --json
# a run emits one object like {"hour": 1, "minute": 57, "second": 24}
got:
{"hour": 1, "minute": 13, "second": 51}
